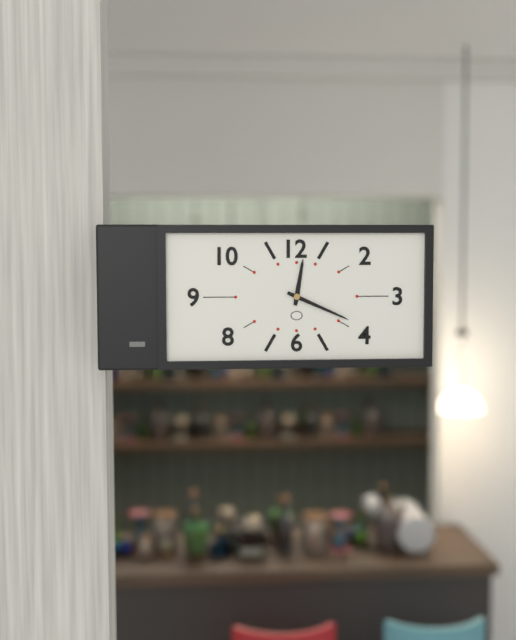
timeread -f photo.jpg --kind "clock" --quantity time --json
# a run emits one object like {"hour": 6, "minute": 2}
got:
{"hour": 12, "minute": 19}
